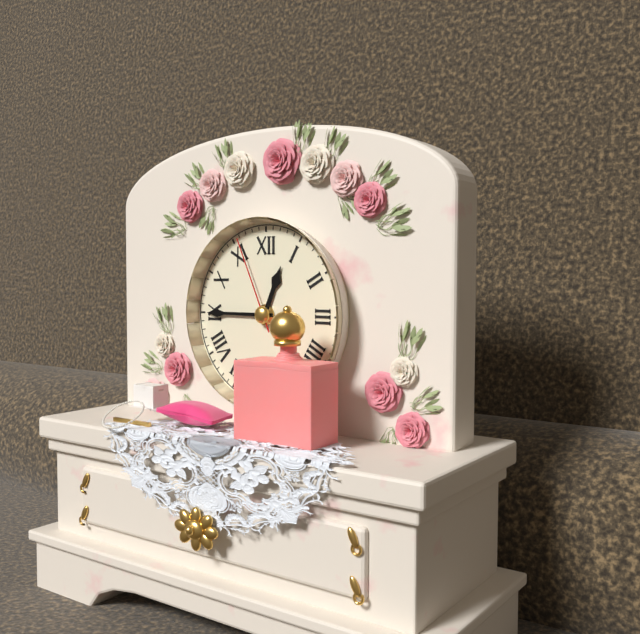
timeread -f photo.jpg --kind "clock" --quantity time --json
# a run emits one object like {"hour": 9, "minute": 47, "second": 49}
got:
{"hour": 12, "minute": 45, "second": 56}
